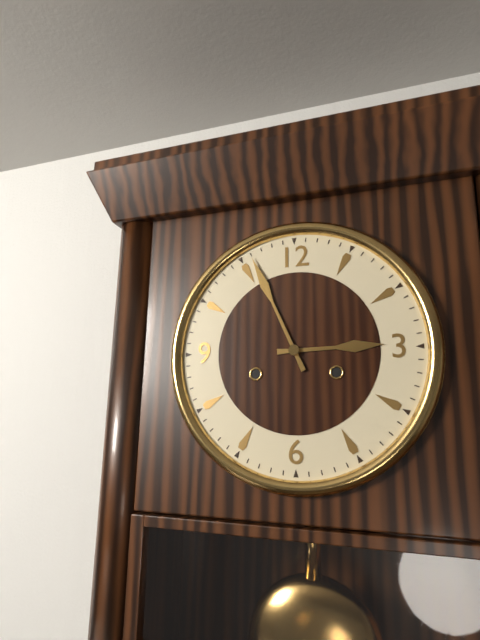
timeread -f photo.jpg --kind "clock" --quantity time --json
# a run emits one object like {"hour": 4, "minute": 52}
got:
{"hour": 2, "minute": 56}
